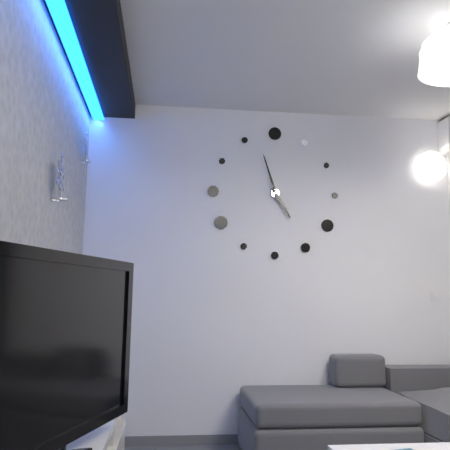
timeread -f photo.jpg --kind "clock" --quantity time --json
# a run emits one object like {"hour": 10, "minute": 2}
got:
{"hour": 4, "minute": 57}
